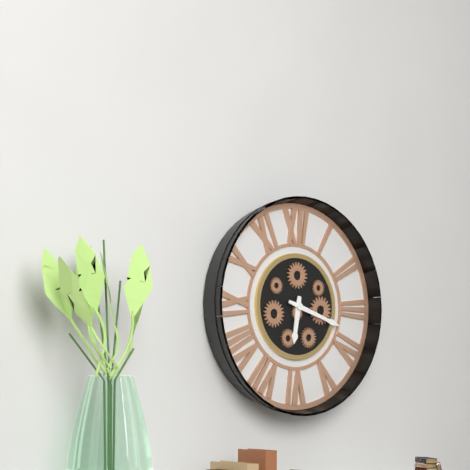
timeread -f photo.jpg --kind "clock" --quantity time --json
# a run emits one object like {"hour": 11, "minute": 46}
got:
{"hour": 6, "minute": 18}
